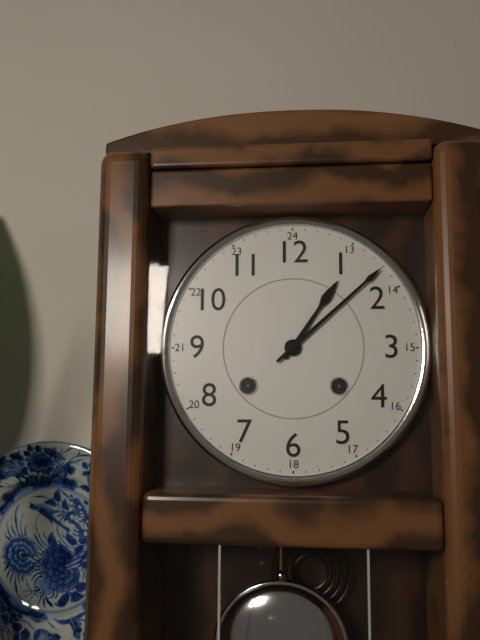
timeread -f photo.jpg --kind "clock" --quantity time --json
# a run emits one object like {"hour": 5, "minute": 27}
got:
{"hour": 1, "minute": 8}
